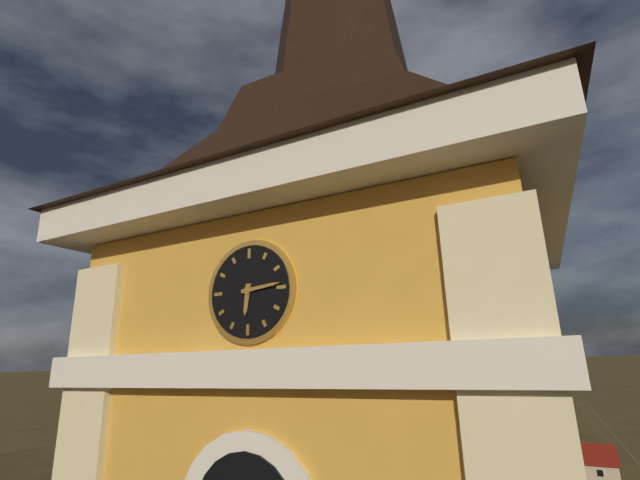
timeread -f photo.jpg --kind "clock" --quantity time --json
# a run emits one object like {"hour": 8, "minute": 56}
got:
{"hour": 6, "minute": 14}
